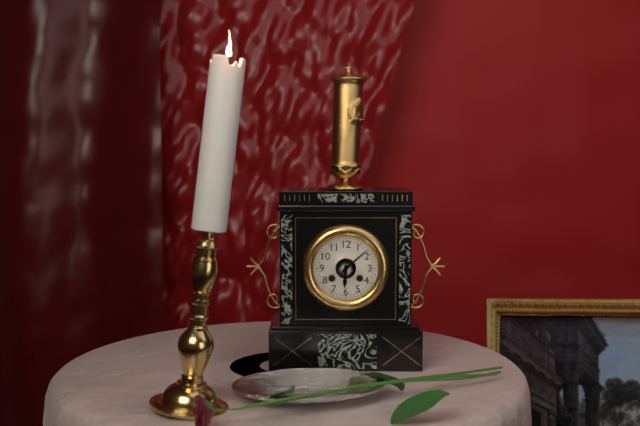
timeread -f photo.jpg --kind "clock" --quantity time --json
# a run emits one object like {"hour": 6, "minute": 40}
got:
{"hour": 6, "minute": 8}
